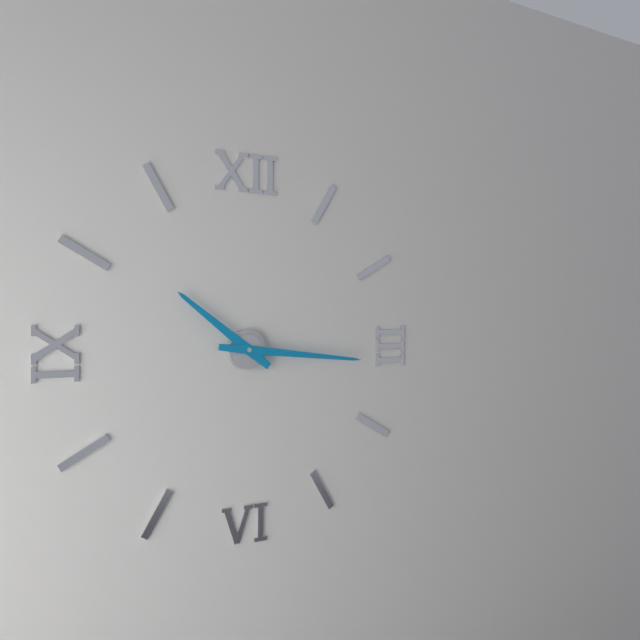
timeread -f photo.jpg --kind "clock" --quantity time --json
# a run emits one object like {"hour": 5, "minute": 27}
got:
{"hour": 10, "minute": 16}
